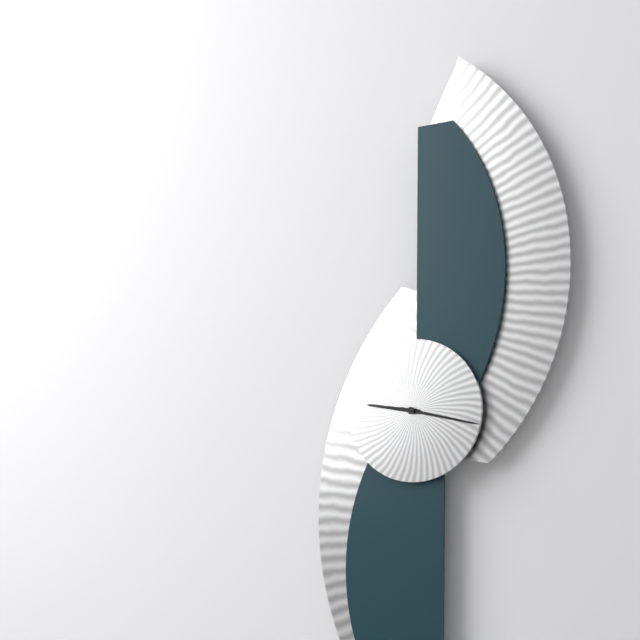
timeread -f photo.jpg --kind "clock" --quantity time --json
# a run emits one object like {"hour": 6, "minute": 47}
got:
{"hour": 9, "minute": 17}
